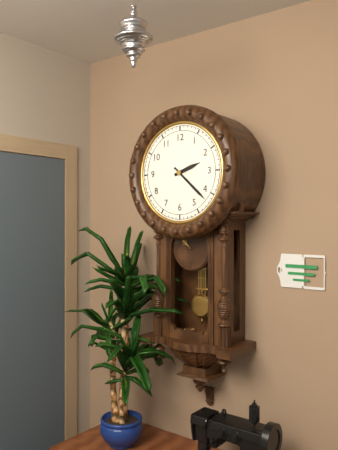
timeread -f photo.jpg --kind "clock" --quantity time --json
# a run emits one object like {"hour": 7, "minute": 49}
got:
{"hour": 2, "minute": 22}
